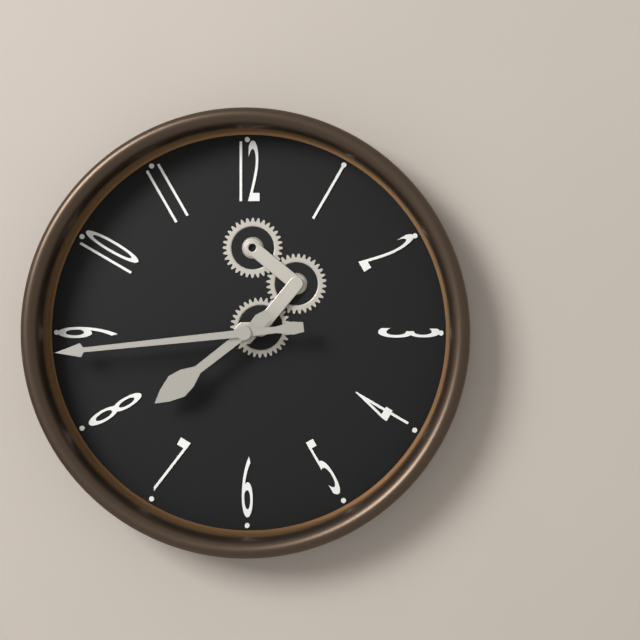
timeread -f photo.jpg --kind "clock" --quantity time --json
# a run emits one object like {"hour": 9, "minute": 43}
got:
{"hour": 7, "minute": 44}
